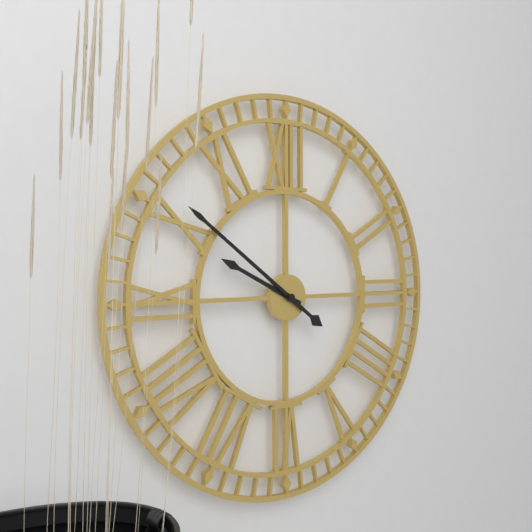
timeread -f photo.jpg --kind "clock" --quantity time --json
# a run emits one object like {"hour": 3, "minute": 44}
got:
{"hour": 9, "minute": 51}
